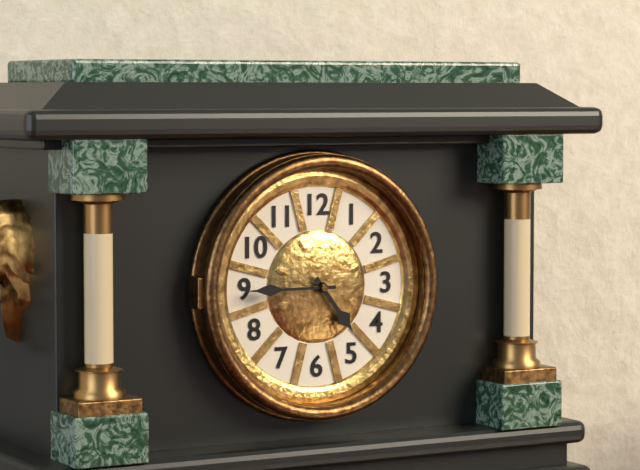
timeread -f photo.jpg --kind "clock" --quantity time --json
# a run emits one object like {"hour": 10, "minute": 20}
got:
{"hour": 4, "minute": 45}
